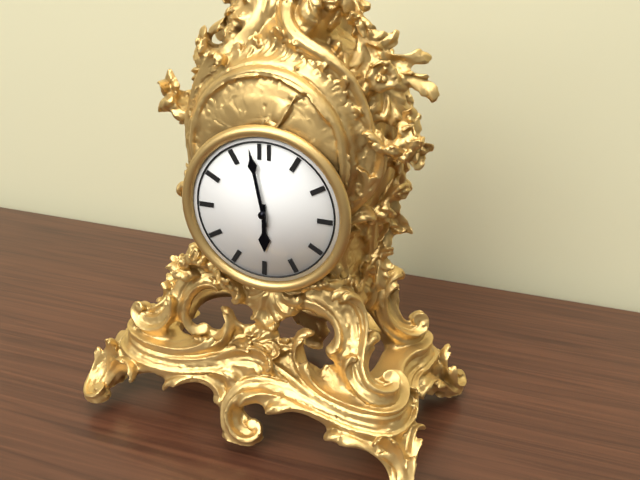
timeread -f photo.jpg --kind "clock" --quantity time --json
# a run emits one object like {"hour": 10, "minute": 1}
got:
{"hour": 5, "minute": 58}
